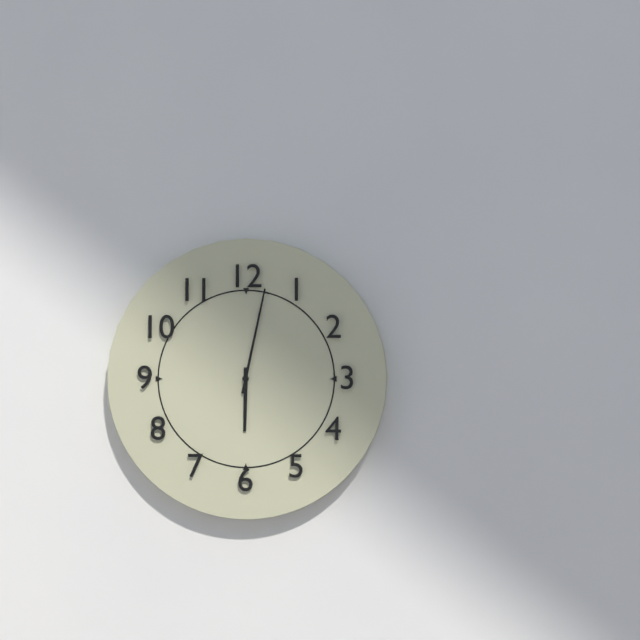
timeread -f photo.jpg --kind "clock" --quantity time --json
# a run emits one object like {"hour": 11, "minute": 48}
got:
{"hour": 6, "minute": 2}
